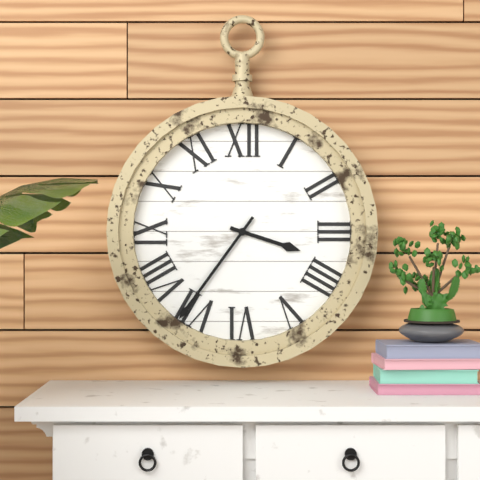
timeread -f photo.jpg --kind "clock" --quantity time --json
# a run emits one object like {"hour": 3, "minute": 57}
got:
{"hour": 3, "minute": 36}
